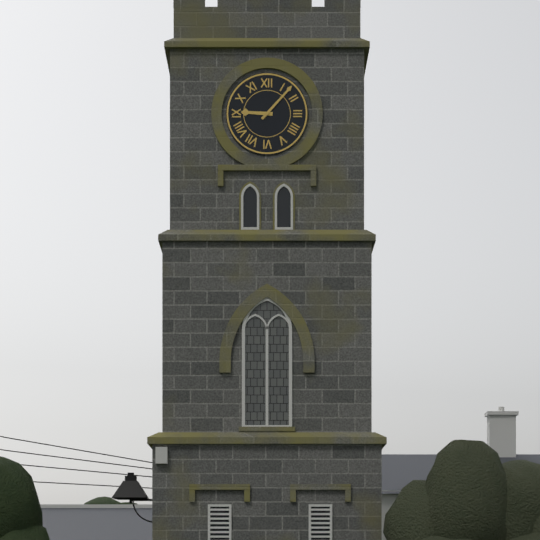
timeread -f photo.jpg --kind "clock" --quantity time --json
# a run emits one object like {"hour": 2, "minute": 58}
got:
{"hour": 9, "minute": 7}
